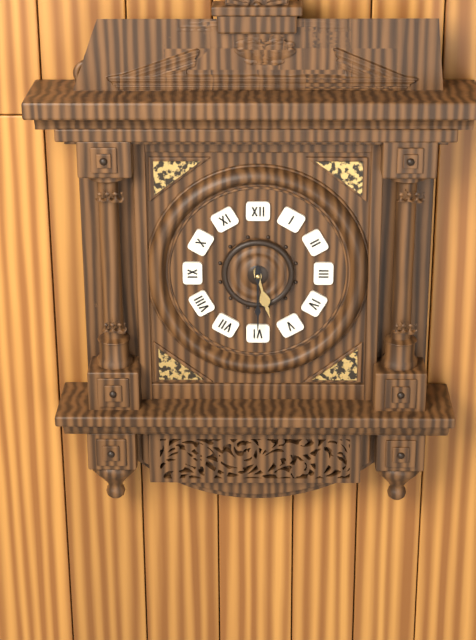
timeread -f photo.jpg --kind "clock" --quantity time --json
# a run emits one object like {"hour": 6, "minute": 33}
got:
{"hour": 5, "minute": 30}
